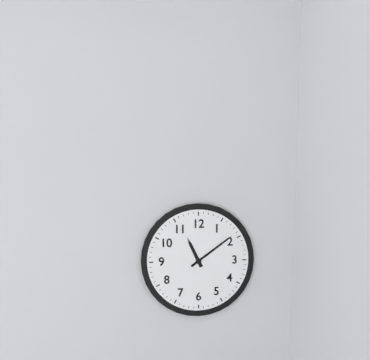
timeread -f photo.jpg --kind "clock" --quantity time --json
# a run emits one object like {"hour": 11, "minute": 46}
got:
{"hour": 11, "minute": 9}
